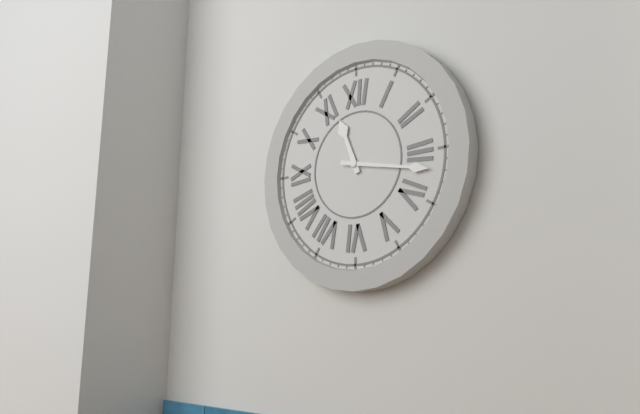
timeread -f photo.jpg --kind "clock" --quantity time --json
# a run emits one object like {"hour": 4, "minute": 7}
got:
{"hour": 11, "minute": 17}
